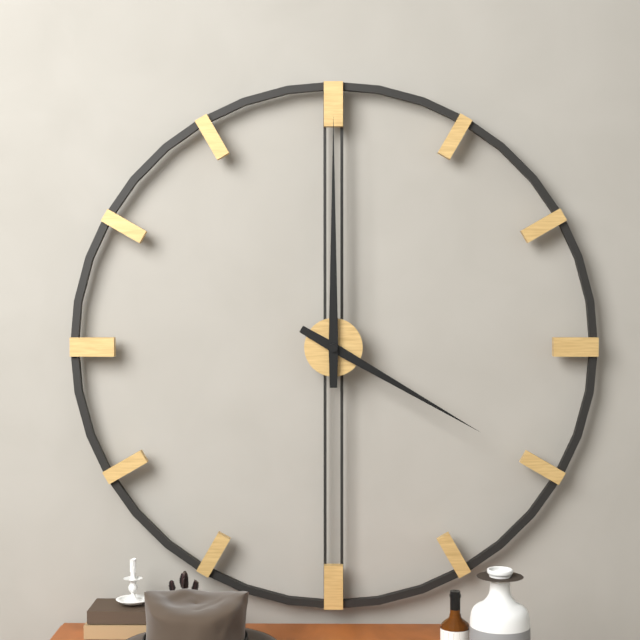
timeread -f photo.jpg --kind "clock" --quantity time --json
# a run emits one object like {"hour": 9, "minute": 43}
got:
{"hour": 4, "minute": 0}
